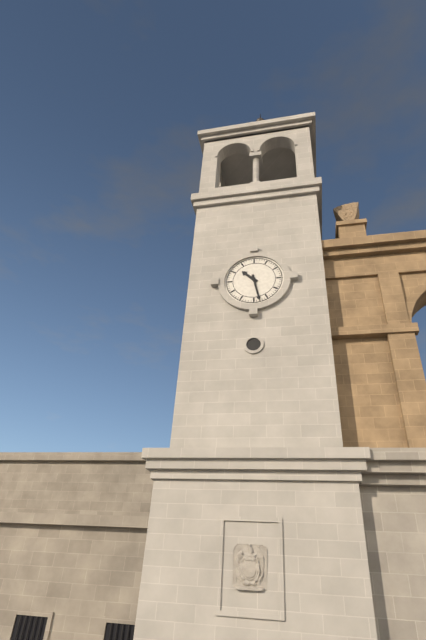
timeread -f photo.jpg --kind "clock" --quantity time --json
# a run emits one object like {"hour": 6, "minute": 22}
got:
{"hour": 10, "minute": 28}
